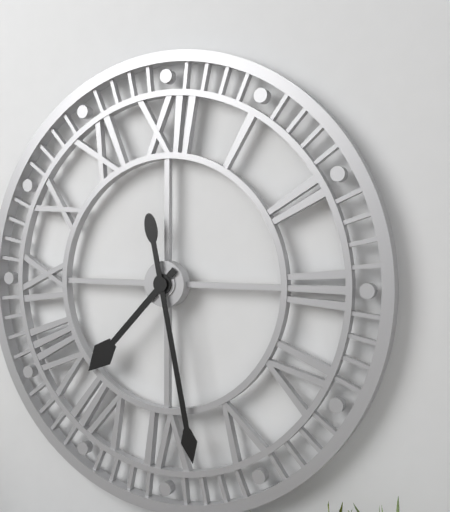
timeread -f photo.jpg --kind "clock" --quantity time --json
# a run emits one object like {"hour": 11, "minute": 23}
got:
{"hour": 7, "minute": 28}
